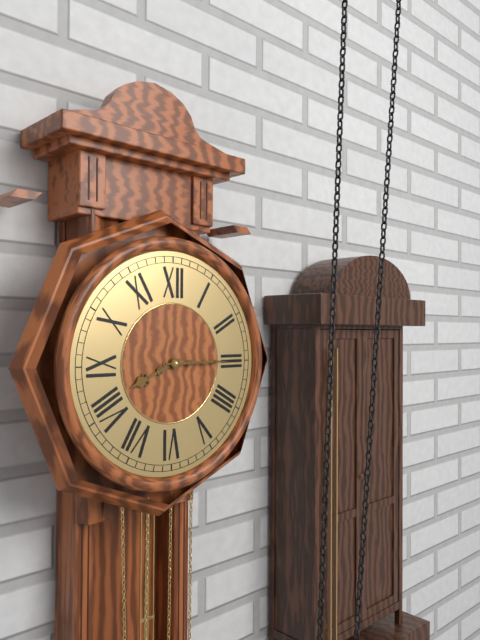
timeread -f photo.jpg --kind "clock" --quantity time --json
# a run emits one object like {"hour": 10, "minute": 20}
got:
{"hour": 8, "minute": 15}
